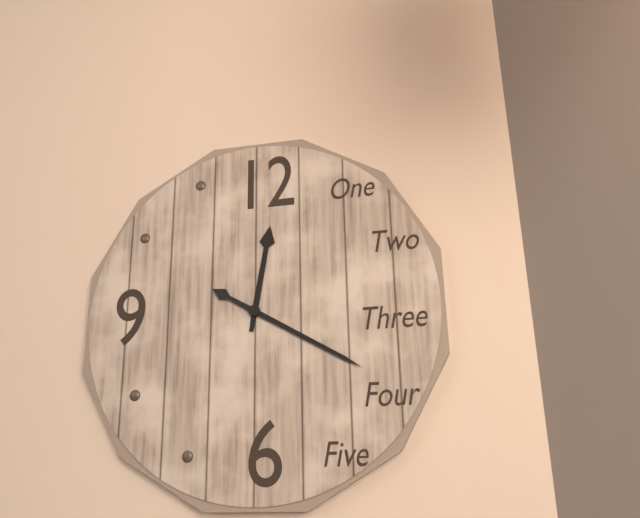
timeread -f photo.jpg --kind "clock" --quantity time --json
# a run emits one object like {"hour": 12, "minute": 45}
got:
{"hour": 12, "minute": 20}
